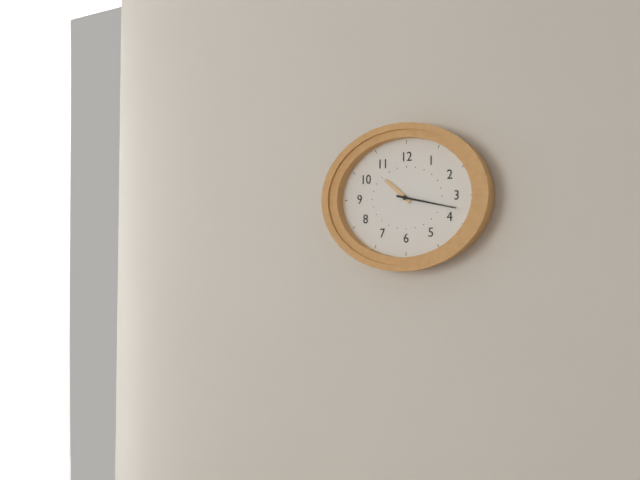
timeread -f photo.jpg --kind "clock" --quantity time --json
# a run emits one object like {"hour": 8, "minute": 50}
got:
{"hour": 10, "minute": 17}
